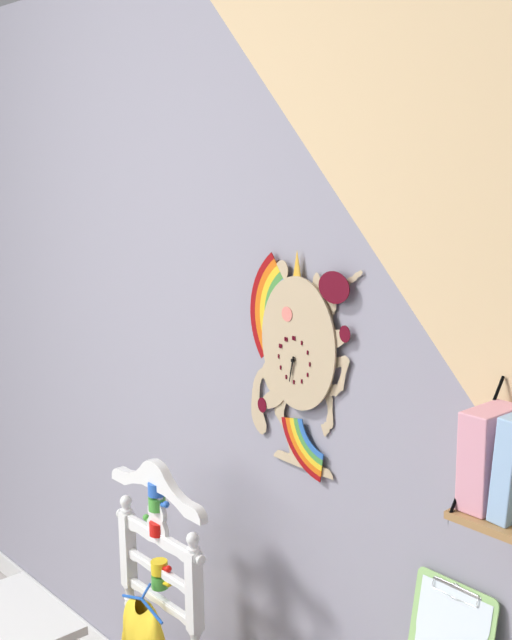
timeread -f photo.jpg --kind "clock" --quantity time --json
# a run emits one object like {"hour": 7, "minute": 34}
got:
{"hour": 6, "minute": 32}
